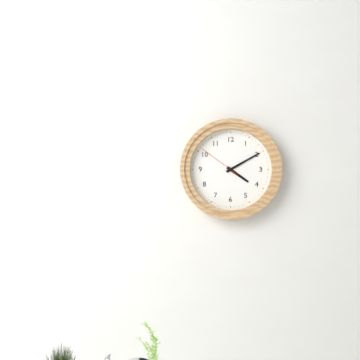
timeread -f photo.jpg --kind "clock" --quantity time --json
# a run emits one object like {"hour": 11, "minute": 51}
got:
{"hour": 4, "minute": 10}
